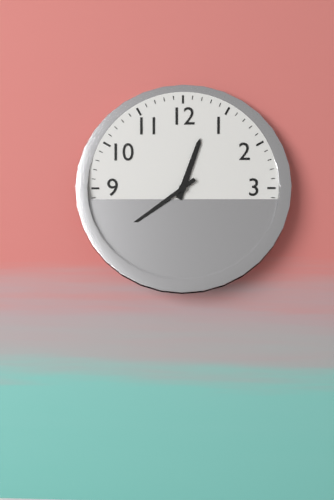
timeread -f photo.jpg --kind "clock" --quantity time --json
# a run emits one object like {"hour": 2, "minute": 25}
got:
{"hour": 12, "minute": 39}
